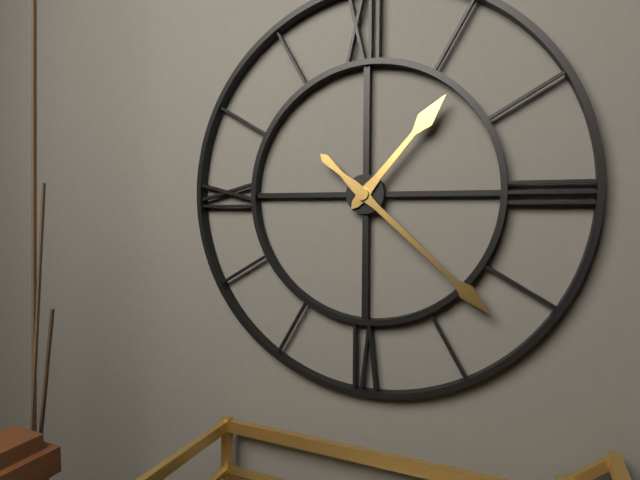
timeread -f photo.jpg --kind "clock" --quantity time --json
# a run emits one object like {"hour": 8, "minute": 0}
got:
{"hour": 1, "minute": 22}
